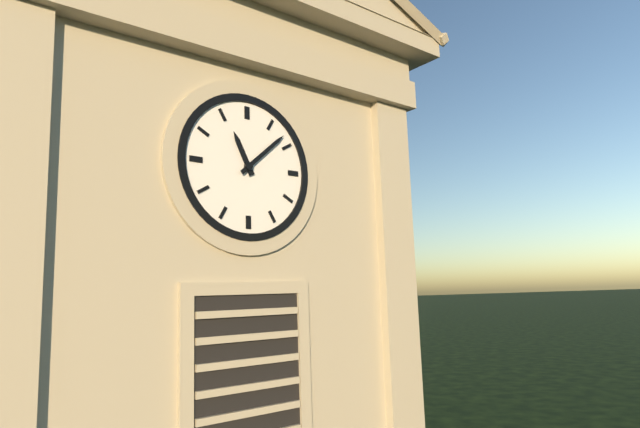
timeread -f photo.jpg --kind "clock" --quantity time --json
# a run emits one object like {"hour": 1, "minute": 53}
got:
{"hour": 11, "minute": 8}
